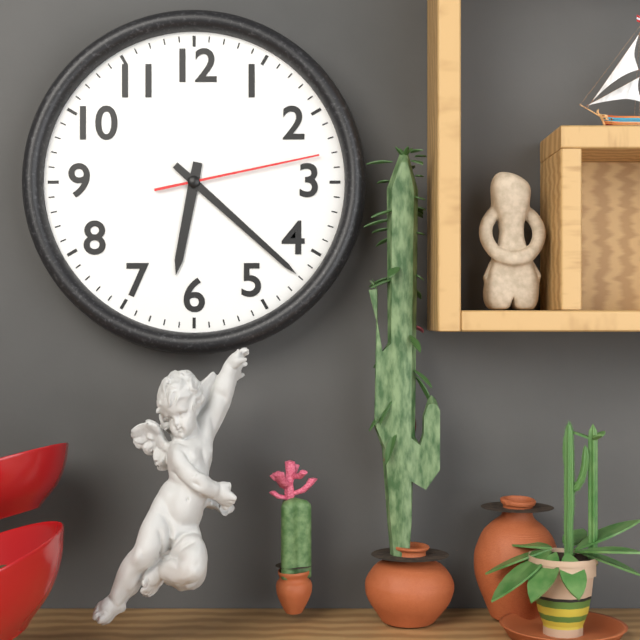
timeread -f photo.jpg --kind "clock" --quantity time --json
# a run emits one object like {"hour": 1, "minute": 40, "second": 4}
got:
{"hour": 6, "minute": 22, "second": 13}
